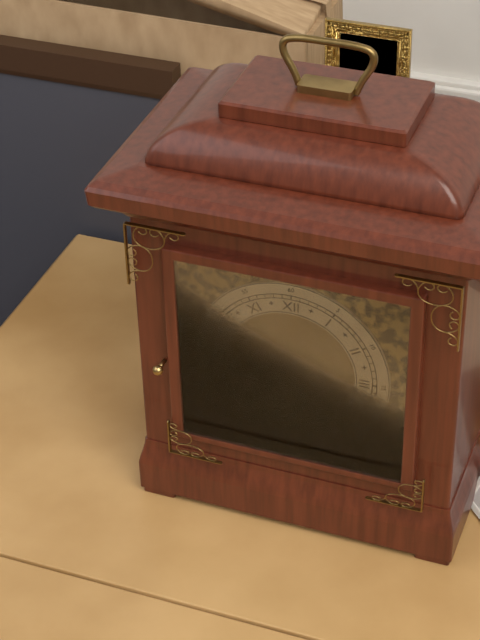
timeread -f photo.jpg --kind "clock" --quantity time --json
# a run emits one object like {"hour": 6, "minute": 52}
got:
{"hour": 8, "minute": 34}
